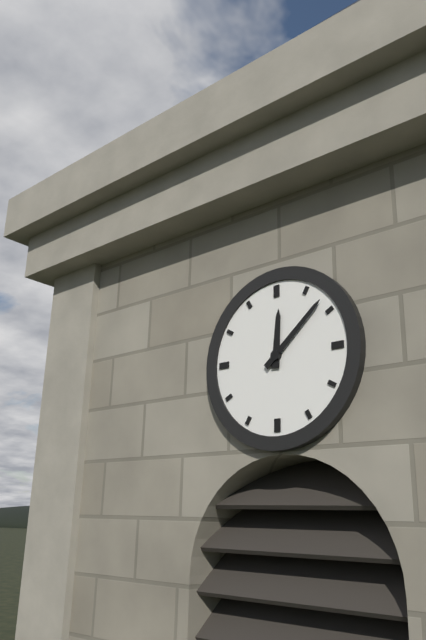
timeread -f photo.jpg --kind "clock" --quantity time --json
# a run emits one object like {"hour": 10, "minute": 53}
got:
{"hour": 12, "minute": 8}
